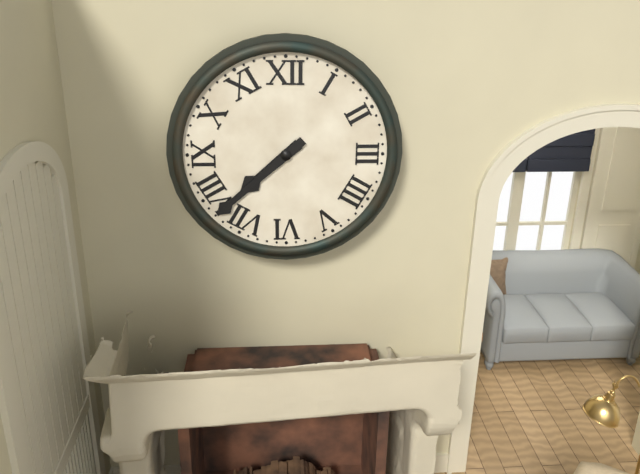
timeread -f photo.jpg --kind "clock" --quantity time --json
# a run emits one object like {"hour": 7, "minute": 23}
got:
{"hour": 7, "minute": 38}
